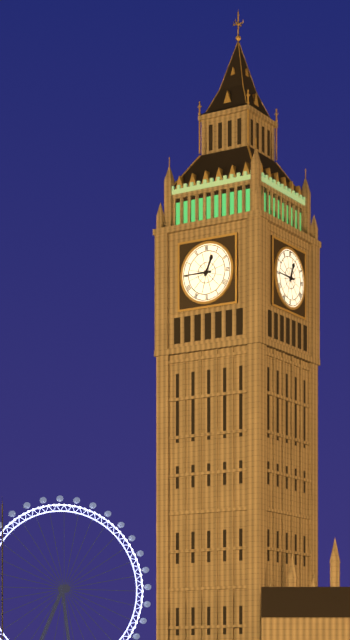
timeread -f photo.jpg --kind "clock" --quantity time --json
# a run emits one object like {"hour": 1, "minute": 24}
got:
{"hour": 12, "minute": 45}
